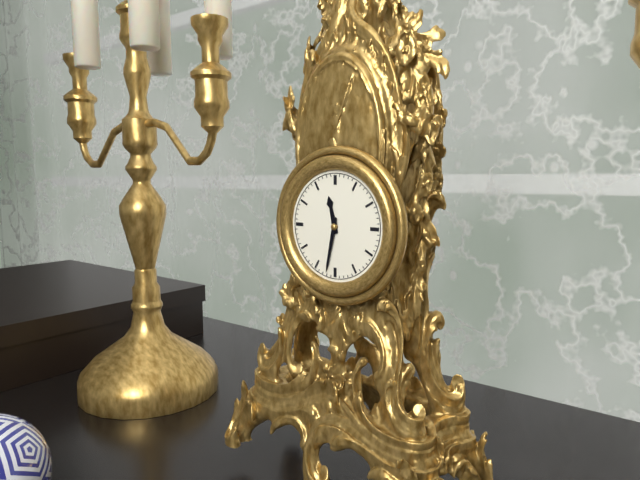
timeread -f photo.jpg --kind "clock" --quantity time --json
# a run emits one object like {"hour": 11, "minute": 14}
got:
{"hour": 11, "minute": 32}
